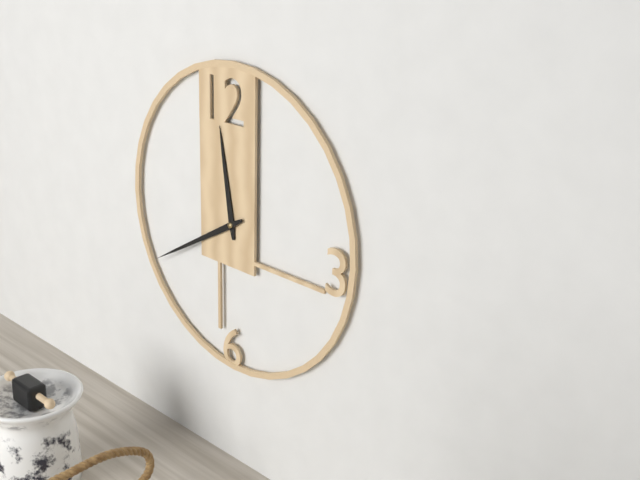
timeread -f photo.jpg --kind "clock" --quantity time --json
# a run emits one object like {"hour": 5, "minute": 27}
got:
{"hour": 11, "minute": 40}
